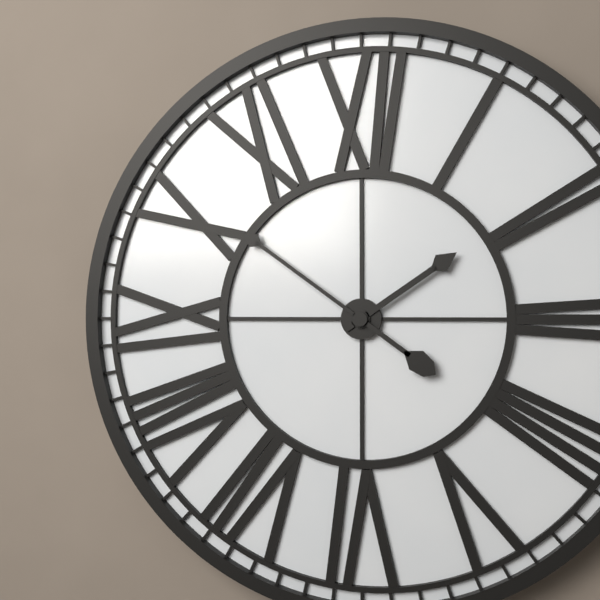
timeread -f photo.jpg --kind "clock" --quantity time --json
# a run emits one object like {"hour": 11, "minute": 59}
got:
{"hour": 1, "minute": 51}
